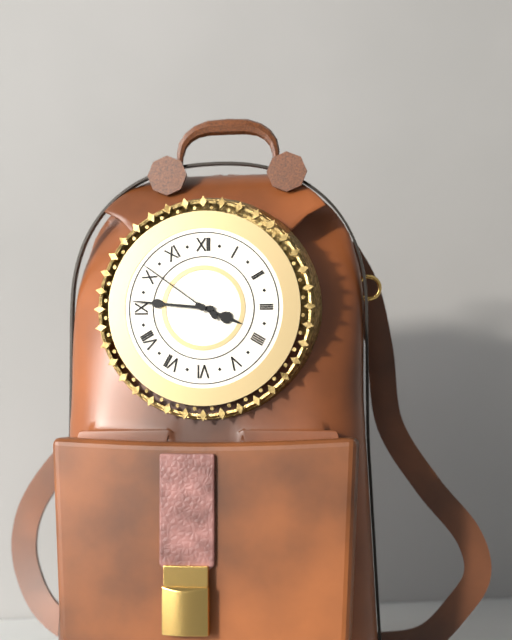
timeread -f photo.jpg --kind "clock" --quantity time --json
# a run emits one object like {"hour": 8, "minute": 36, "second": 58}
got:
{"hour": 3, "minute": 46, "second": 51}
